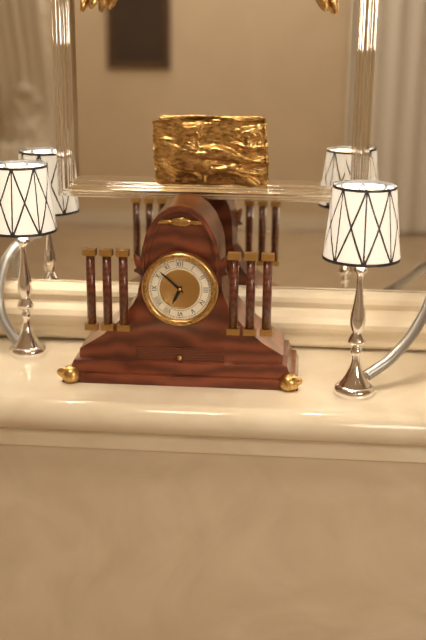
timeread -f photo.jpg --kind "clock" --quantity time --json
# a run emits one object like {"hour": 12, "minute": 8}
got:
{"hour": 6, "minute": 52}
